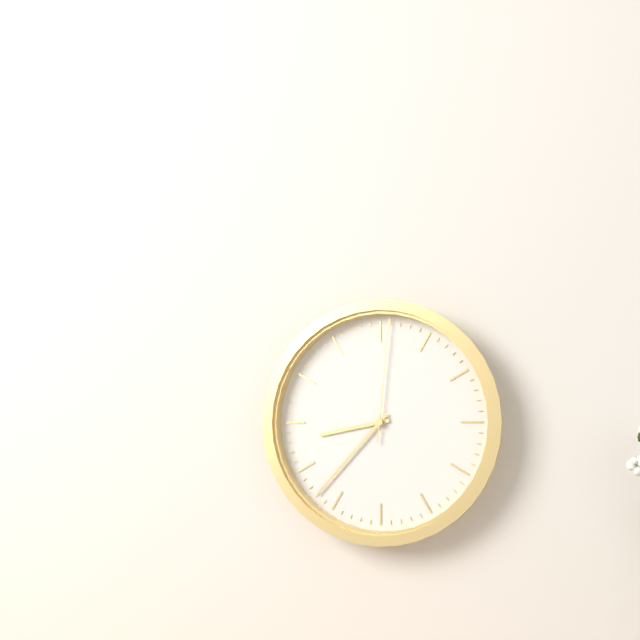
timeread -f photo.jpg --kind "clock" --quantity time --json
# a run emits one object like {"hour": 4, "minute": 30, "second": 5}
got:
{"hour": 8, "minute": 37, "second": 1}
